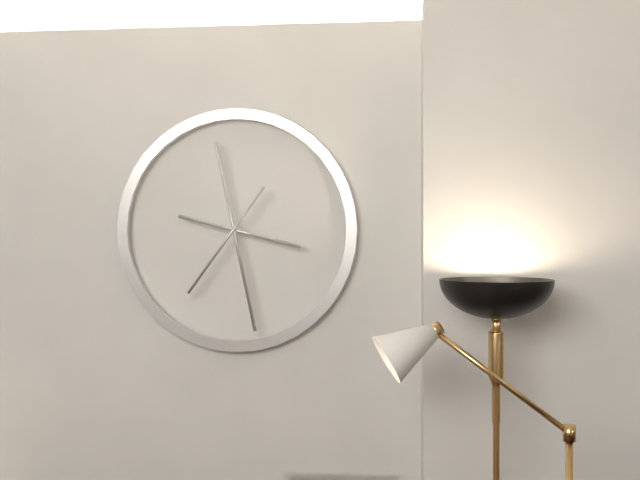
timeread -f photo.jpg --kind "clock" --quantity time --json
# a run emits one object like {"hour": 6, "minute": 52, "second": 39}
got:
{"hour": 3, "minute": 28, "second": 36}
